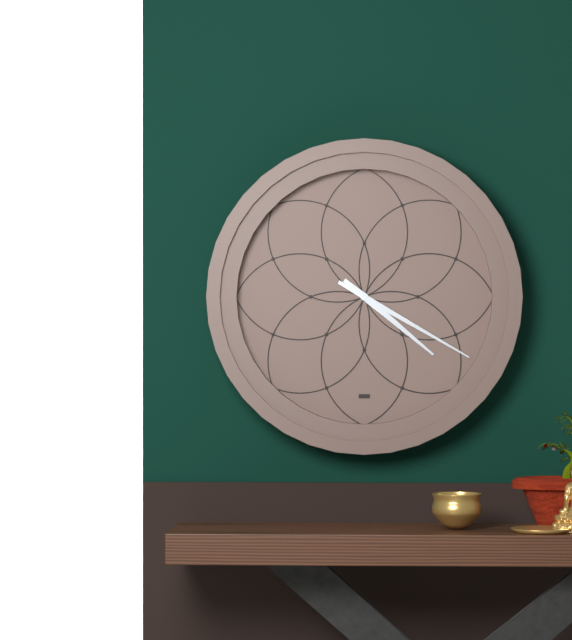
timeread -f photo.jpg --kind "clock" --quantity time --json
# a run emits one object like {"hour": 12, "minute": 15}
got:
{"hour": 4, "minute": 20}
